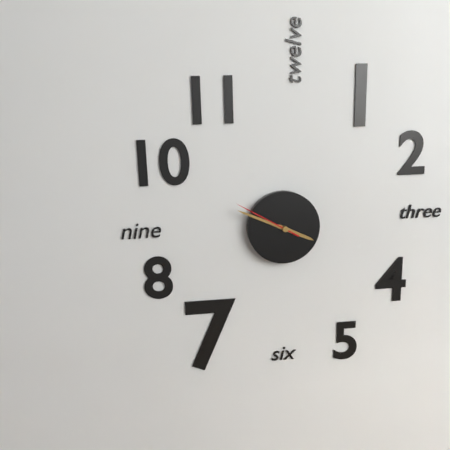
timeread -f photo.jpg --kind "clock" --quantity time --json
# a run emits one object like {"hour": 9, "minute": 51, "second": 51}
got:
{"hour": 3, "minute": 49, "second": 50}
